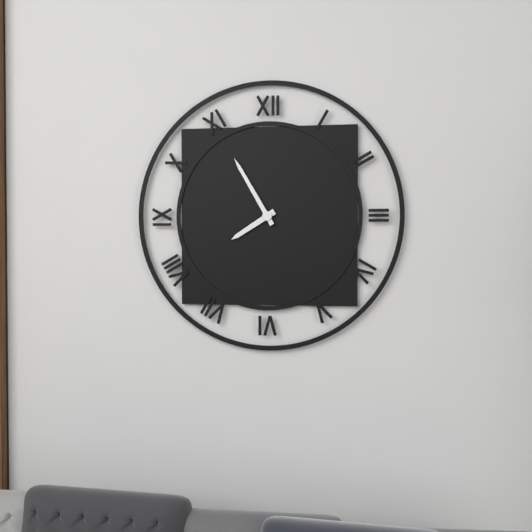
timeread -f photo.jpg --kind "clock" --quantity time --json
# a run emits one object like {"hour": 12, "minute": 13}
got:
{"hour": 7, "minute": 55}
